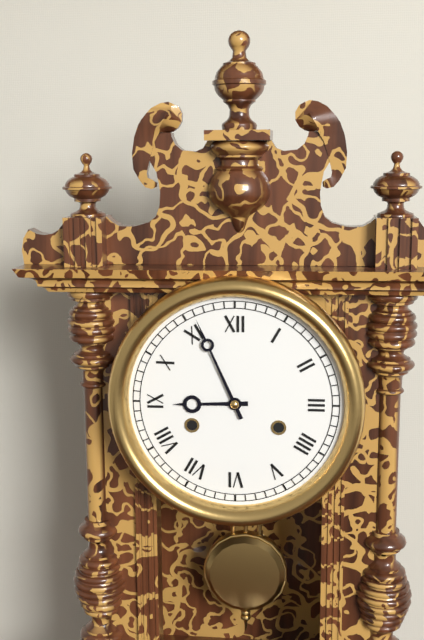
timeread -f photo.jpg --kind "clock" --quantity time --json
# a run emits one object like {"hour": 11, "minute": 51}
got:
{"hour": 8, "minute": 56}
